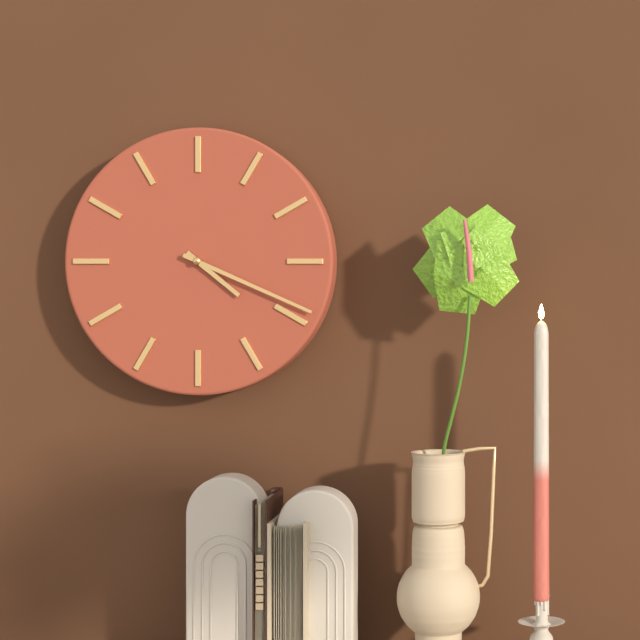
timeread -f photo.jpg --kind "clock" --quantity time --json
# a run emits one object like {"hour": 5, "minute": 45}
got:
{"hour": 4, "minute": 19}
